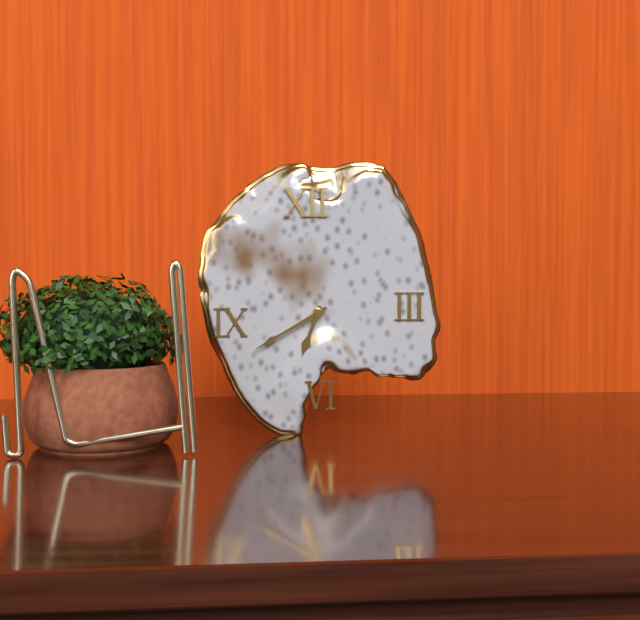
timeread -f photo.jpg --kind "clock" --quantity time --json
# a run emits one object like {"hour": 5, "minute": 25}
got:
{"hour": 6, "minute": 40}
